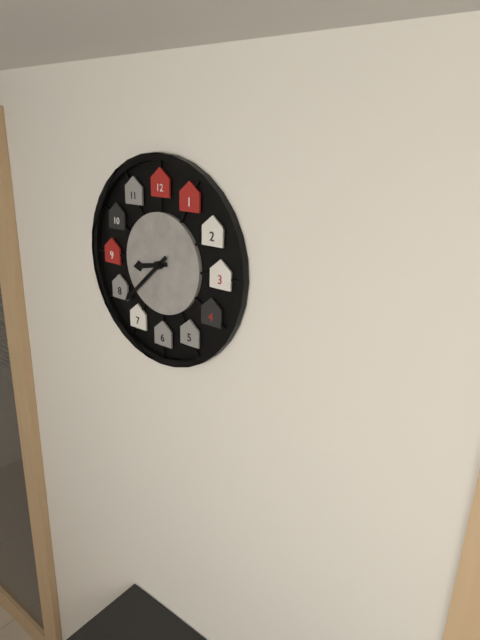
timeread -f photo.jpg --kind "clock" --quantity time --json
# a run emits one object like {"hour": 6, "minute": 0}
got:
{"hour": 8, "minute": 38}
